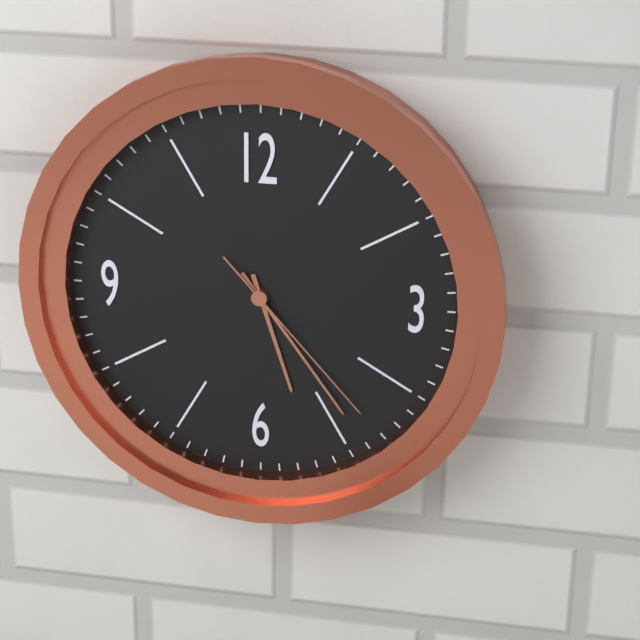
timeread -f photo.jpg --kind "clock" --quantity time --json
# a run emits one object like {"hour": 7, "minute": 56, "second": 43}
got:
{"hour": 5, "minute": 24, "second": 23}
